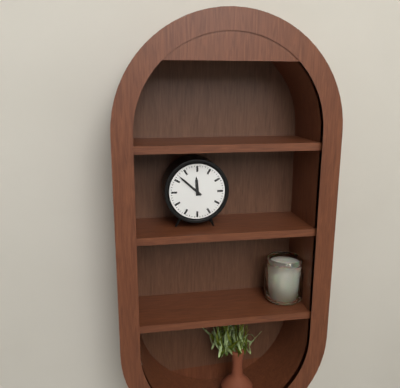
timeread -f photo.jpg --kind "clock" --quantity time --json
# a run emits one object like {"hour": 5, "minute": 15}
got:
{"hour": 11, "minute": 52}
